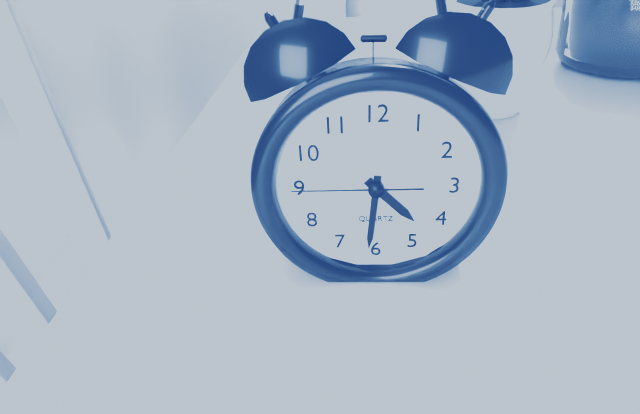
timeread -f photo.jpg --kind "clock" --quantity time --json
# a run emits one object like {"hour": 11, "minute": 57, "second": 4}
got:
{"hour": 4, "minute": 31, "second": 45}
